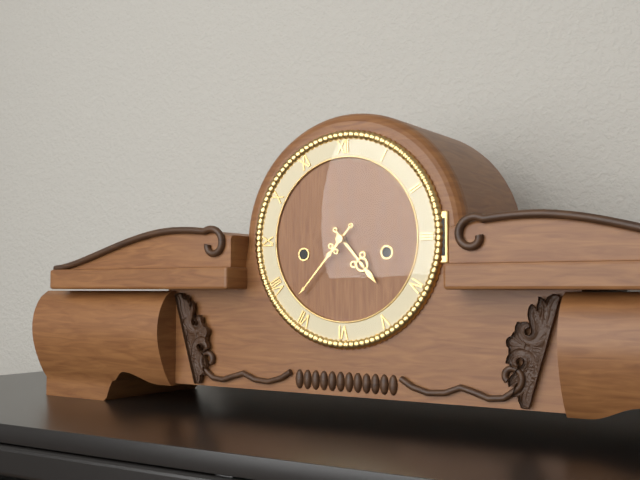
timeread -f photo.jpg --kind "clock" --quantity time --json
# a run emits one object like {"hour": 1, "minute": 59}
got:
{"hour": 4, "minute": 37}
